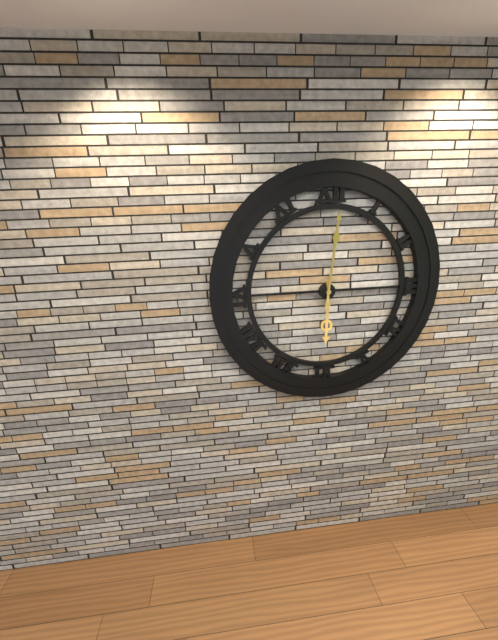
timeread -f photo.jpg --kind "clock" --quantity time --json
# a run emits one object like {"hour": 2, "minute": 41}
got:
{"hour": 6, "minute": 1}
